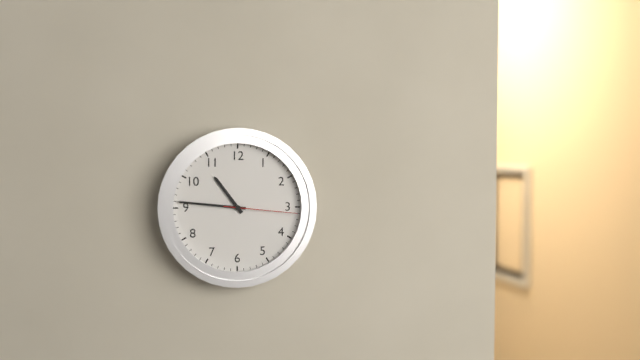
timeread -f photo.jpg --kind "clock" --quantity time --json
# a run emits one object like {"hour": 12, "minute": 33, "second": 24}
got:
{"hour": 10, "minute": 46, "second": 16}
